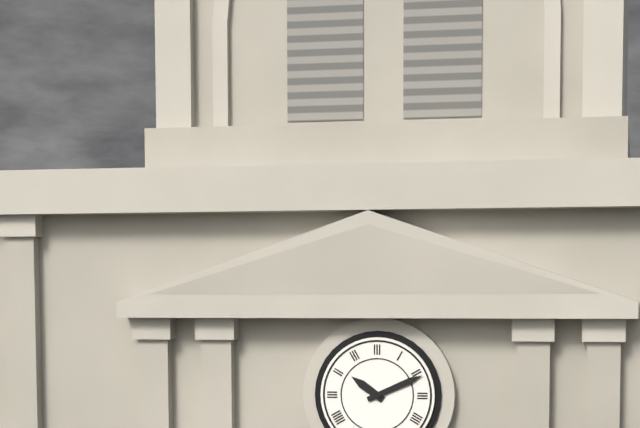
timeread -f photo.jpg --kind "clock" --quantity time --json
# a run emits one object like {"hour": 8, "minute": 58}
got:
{"hour": 10, "minute": 11}
